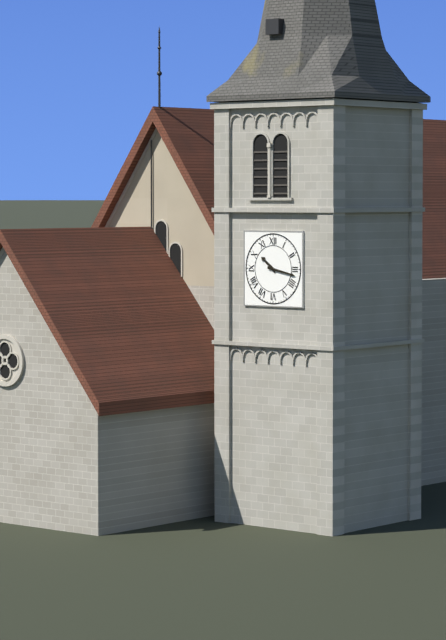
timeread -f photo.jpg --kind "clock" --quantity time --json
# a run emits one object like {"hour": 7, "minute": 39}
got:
{"hour": 10, "minute": 17}
